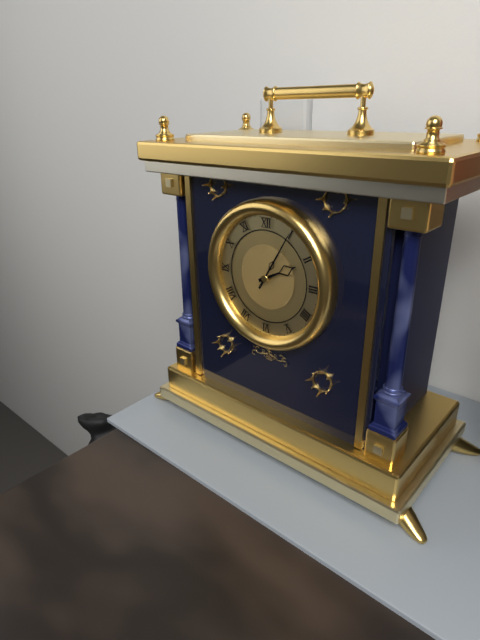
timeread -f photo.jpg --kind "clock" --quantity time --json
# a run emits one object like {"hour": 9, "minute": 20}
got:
{"hour": 2, "minute": 5}
